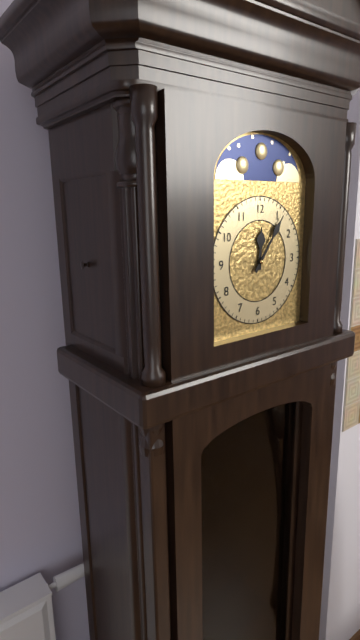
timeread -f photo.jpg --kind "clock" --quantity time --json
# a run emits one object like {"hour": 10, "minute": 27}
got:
{"hour": 12, "minute": 6}
